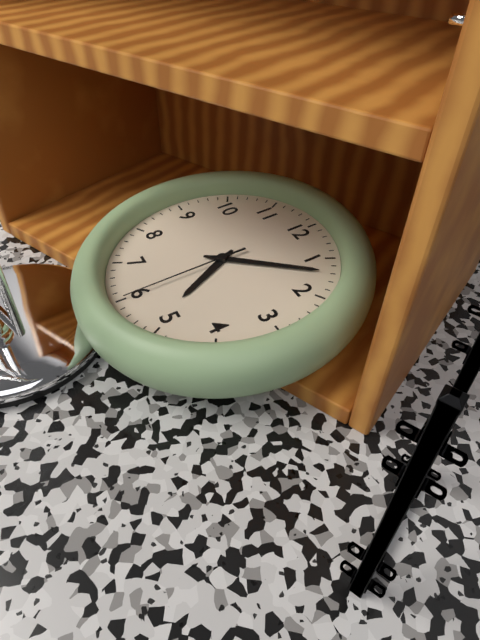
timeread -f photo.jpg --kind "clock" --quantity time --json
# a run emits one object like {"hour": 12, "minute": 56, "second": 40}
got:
{"hour": 5, "minute": 7, "second": 30}
